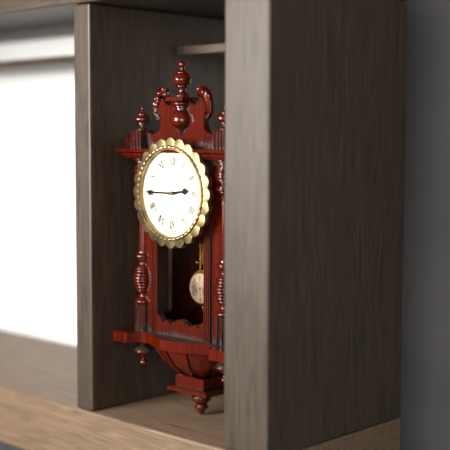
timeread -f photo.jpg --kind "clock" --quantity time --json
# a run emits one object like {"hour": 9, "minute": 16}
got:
{"hour": 2, "minute": 45}
